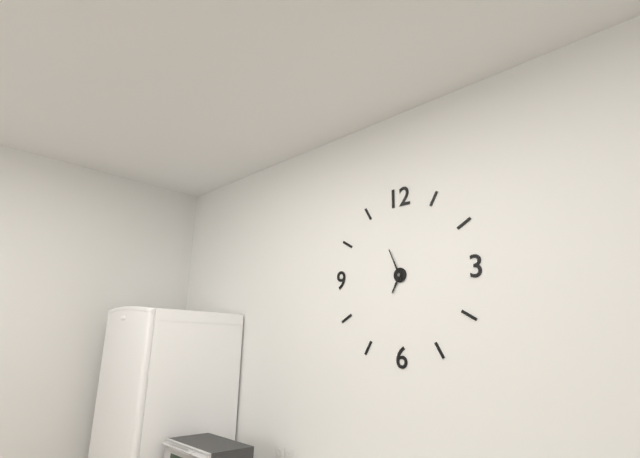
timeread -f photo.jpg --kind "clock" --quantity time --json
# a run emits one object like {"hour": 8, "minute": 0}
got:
{"hour": 6, "minute": 56}
